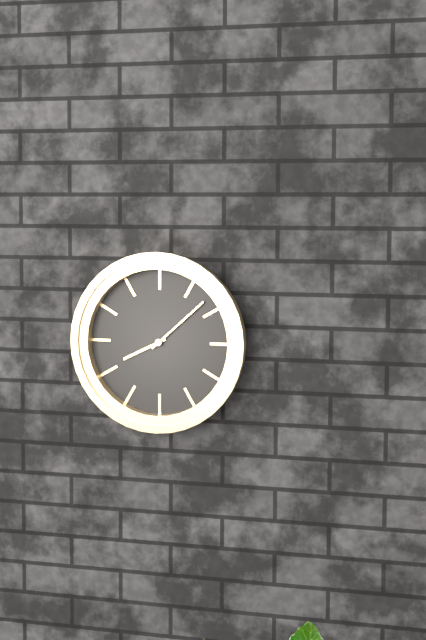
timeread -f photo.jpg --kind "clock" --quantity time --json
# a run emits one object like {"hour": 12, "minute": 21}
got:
{"hour": 8, "minute": 8}
